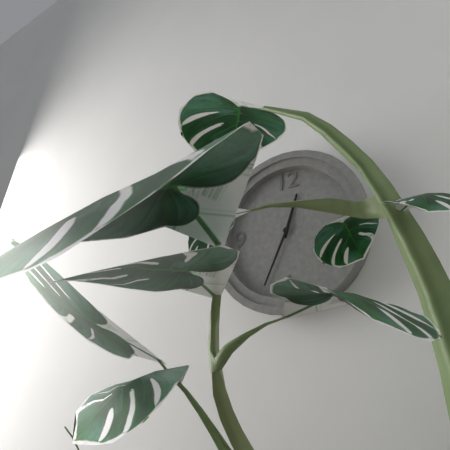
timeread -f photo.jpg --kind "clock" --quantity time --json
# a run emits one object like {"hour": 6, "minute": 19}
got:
{"hour": 12, "minute": 34}
